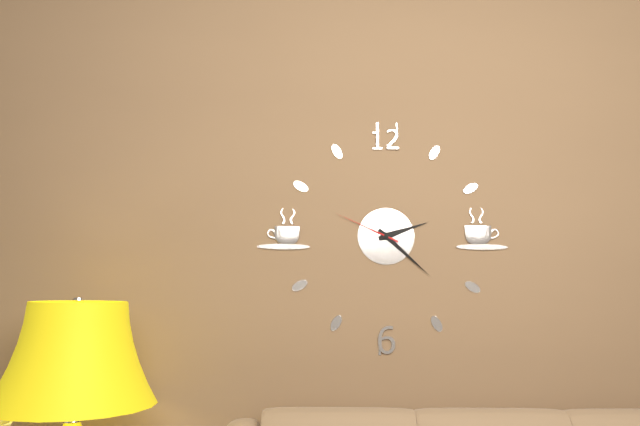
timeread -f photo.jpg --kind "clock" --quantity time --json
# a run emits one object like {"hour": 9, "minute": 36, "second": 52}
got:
{"hour": 2, "minute": 22, "second": 49}
